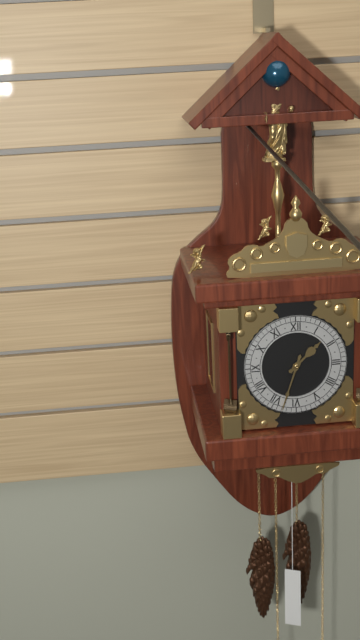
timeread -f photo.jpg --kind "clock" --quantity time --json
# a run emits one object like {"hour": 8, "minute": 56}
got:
{"hour": 1, "minute": 33}
